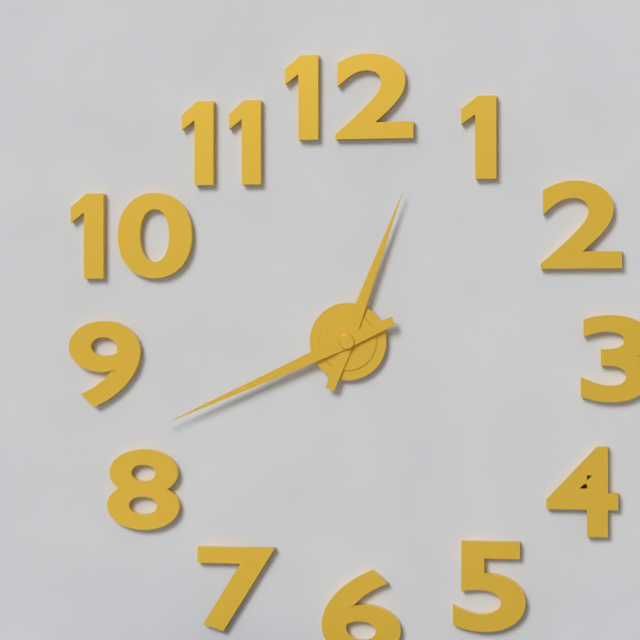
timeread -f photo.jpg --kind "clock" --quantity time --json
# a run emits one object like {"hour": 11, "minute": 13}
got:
{"hour": 12, "minute": 41}
